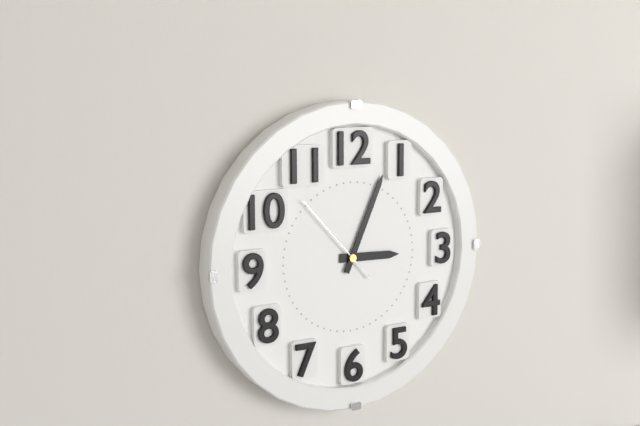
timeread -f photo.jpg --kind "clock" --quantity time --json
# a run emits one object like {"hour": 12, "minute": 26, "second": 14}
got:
{"hour": 3, "minute": 4, "second": 53}
